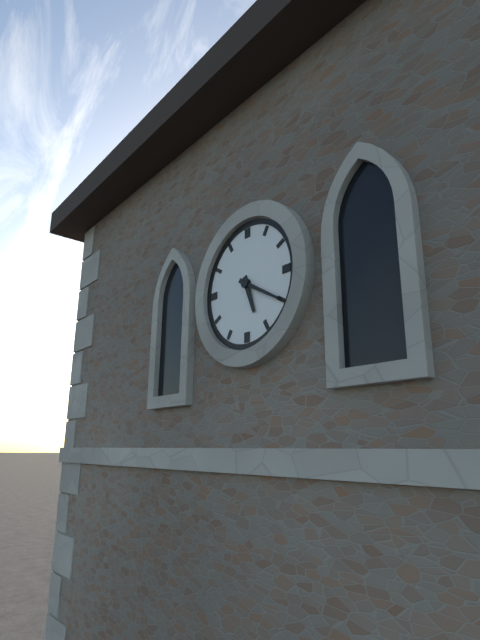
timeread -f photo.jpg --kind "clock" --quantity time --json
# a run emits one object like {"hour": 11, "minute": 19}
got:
{"hour": 5, "minute": 20}
